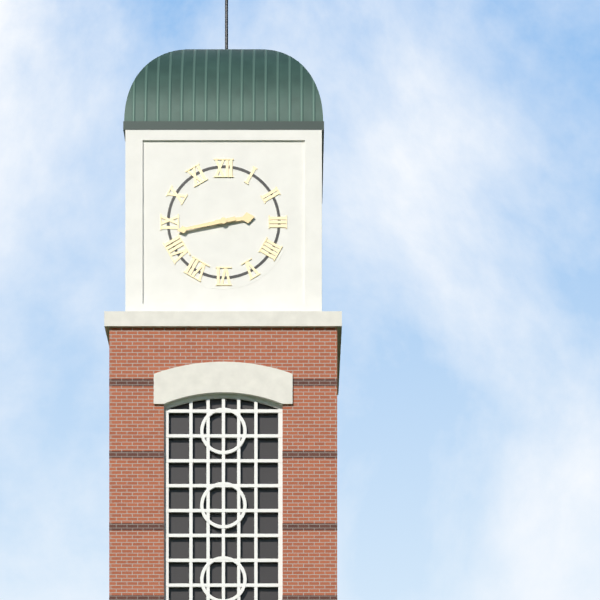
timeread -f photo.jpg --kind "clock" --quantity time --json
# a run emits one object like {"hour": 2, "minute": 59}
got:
{"hour": 2, "minute": 43}
